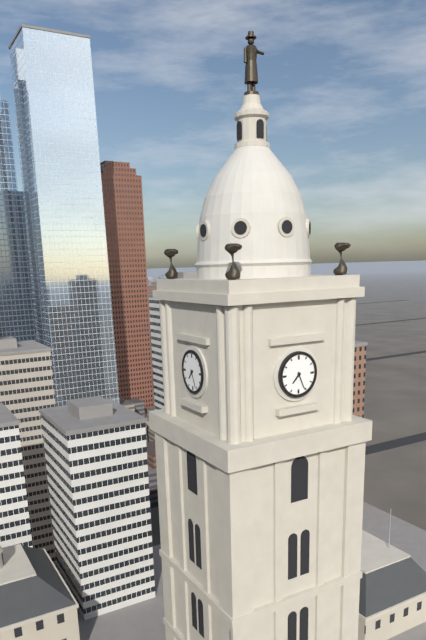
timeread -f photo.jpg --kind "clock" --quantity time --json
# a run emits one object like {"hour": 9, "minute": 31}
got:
{"hour": 7, "minute": 26}
